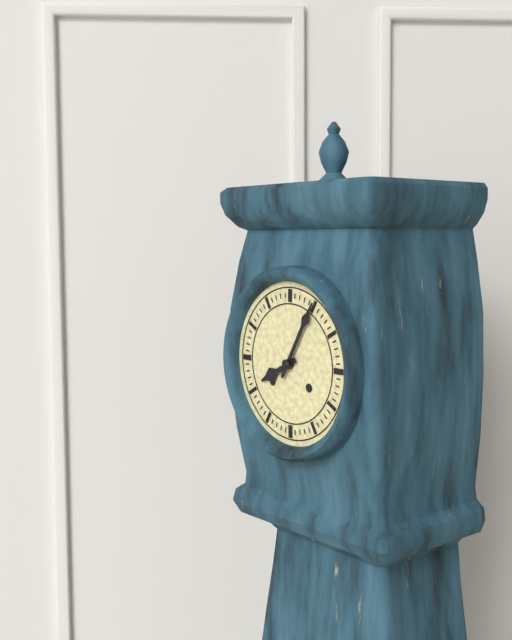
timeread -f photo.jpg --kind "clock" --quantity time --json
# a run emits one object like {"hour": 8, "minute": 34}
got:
{"hour": 8, "minute": 5}
